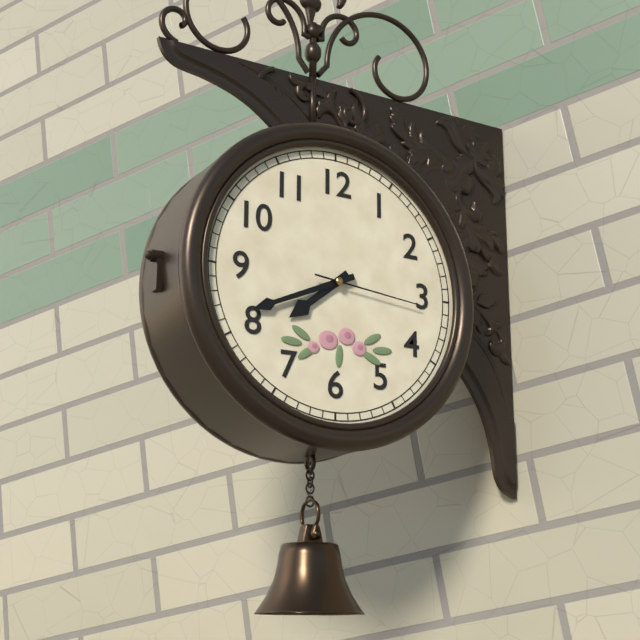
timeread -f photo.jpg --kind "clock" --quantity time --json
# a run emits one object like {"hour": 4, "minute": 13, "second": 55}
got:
{"hour": 7, "minute": 41, "second": 16}
